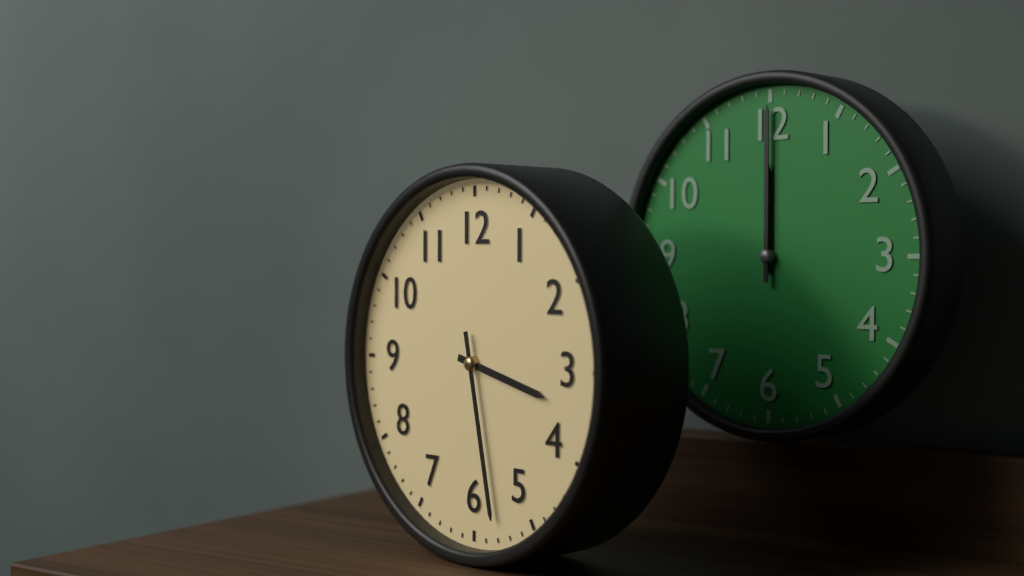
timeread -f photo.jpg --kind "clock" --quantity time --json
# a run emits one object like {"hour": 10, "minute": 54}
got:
{"hour": 3, "minute": 28}
